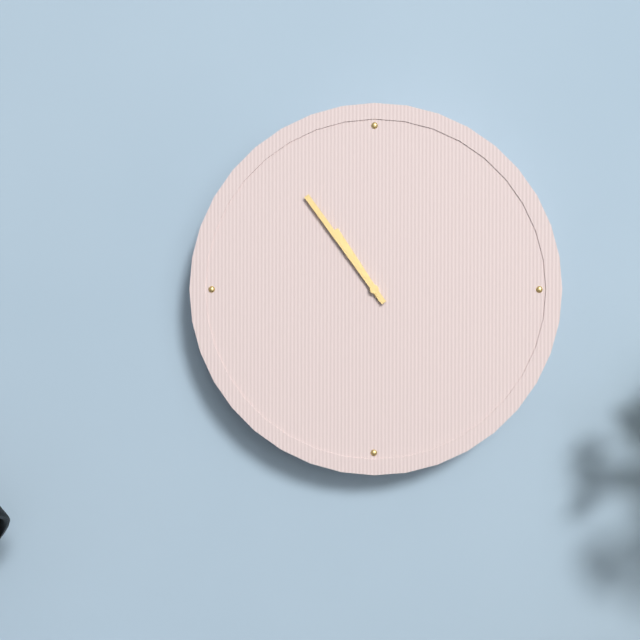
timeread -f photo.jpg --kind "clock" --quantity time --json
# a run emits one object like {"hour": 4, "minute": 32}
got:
{"hour": 10, "minute": 54}
